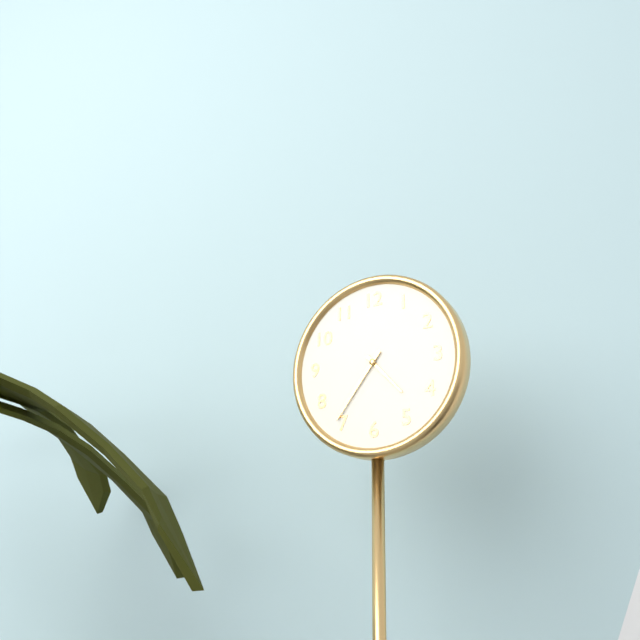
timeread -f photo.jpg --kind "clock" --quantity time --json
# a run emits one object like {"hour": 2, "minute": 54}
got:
{"hour": 4, "minute": 36}
